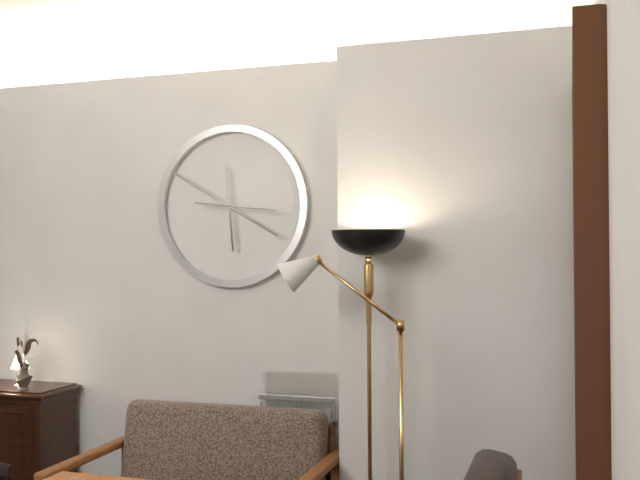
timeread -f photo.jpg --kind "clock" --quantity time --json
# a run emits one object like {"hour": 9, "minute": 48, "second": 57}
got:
{"hour": 5, "minute": 50, "second": 16}
